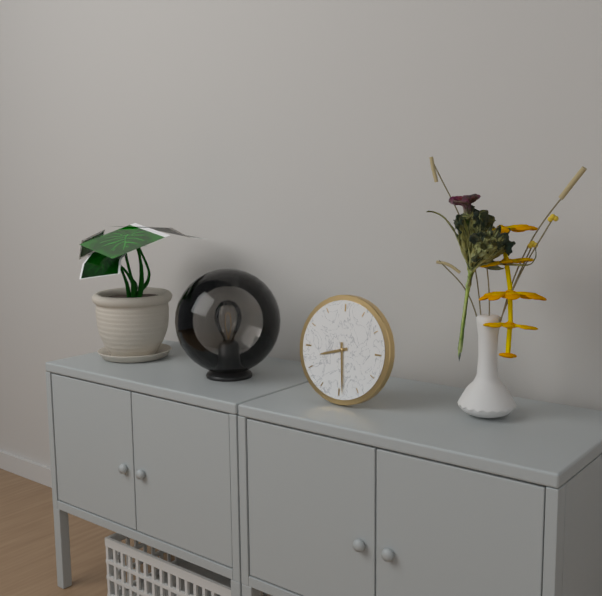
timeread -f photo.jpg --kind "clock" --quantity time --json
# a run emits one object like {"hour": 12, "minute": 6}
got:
{"hour": 8, "minute": 29}
